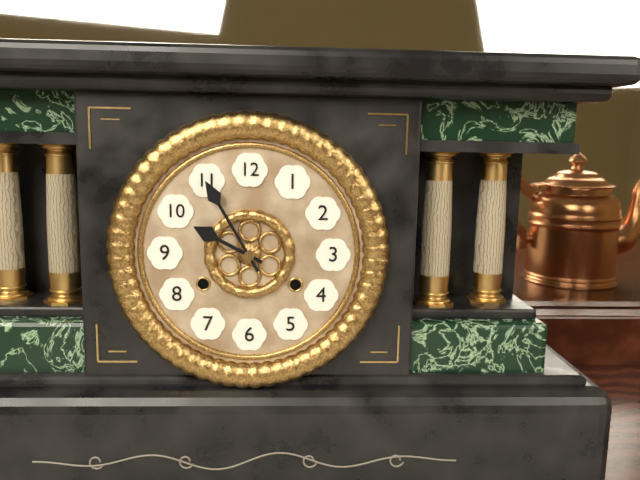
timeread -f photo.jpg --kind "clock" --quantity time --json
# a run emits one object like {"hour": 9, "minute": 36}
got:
{"hour": 9, "minute": 55}
